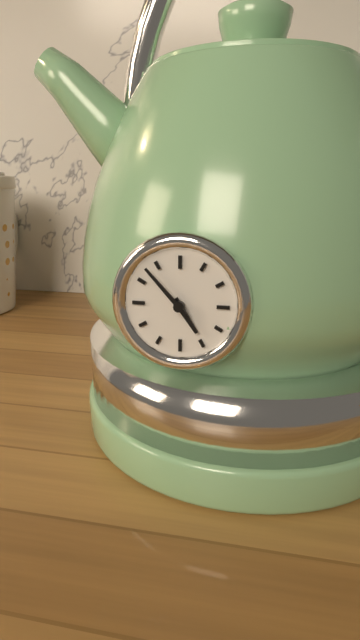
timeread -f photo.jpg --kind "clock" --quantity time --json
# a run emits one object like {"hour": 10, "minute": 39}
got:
{"hour": 4, "minute": 53}
